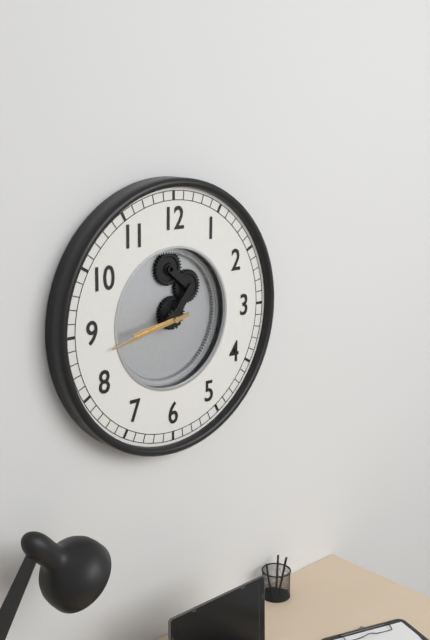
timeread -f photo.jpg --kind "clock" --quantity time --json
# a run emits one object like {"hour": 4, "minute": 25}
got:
{"hour": 8, "minute": 43}
